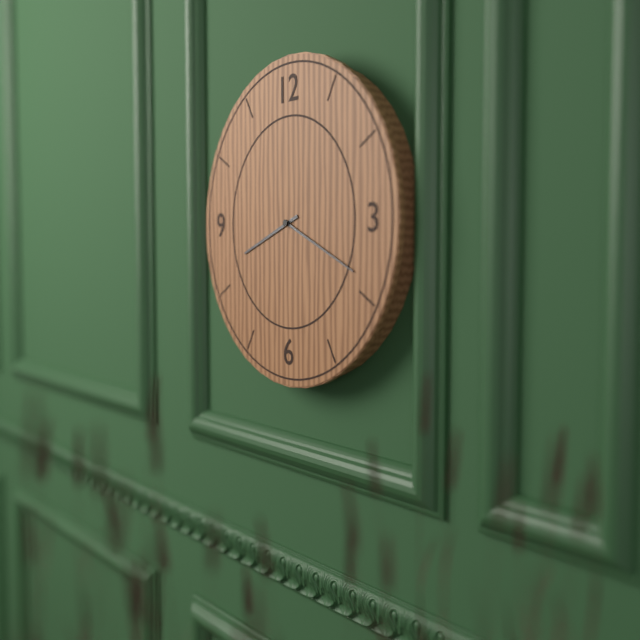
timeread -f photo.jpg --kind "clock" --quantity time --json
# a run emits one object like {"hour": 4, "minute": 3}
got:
{"hour": 8, "minute": 19}
